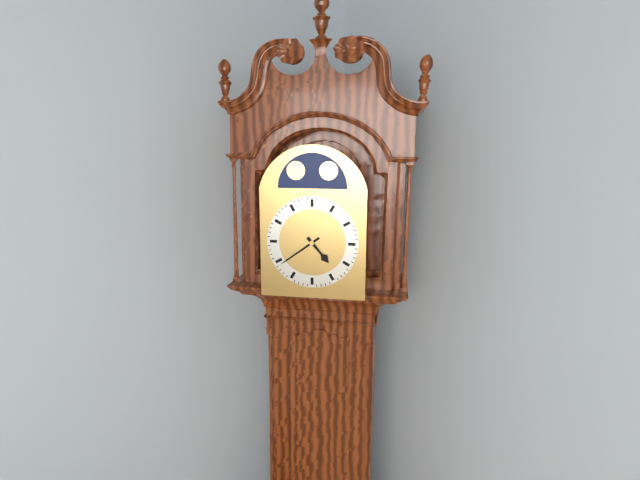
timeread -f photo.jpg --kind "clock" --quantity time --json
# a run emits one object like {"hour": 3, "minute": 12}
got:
{"hour": 4, "minute": 39}
